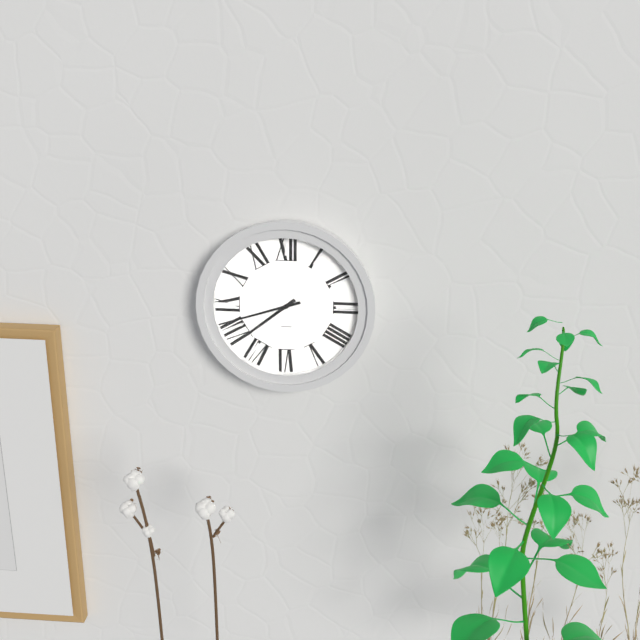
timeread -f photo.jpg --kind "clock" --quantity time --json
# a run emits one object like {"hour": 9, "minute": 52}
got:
{"hour": 7, "minute": 42}
